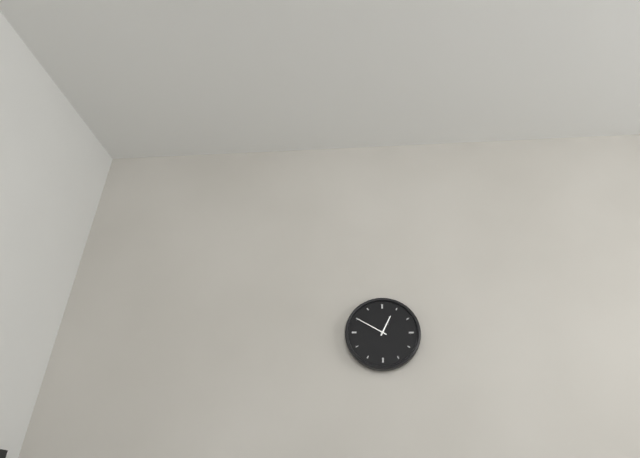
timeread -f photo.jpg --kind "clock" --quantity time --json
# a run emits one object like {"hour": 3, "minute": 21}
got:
{"hour": 12, "minute": 50}
